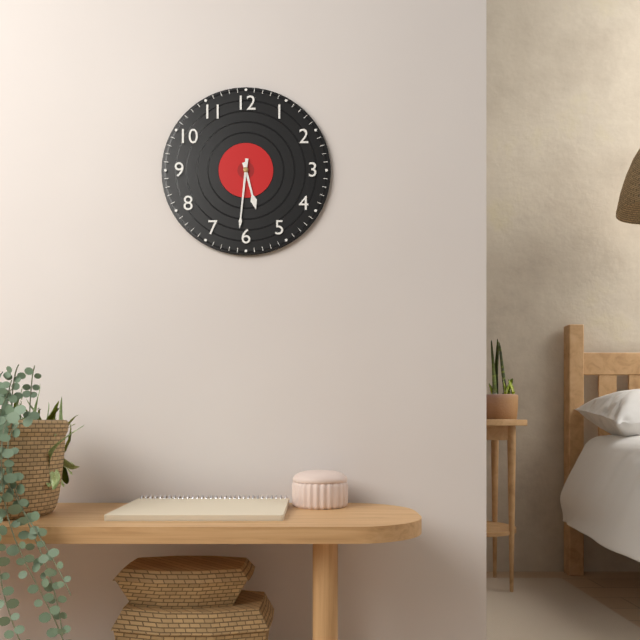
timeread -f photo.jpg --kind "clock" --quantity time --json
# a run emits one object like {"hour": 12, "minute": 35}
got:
{"hour": 5, "minute": 31}
